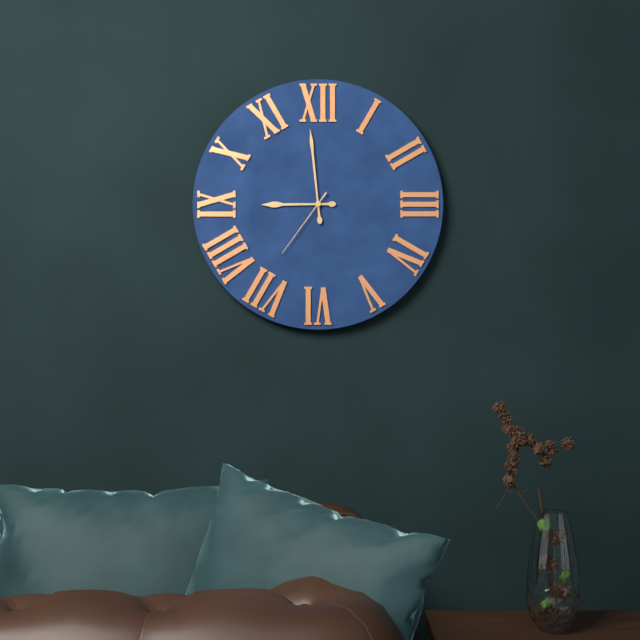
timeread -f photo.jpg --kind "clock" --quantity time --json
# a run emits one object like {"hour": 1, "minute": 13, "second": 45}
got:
{"hour": 8, "minute": 59, "second": 36}
